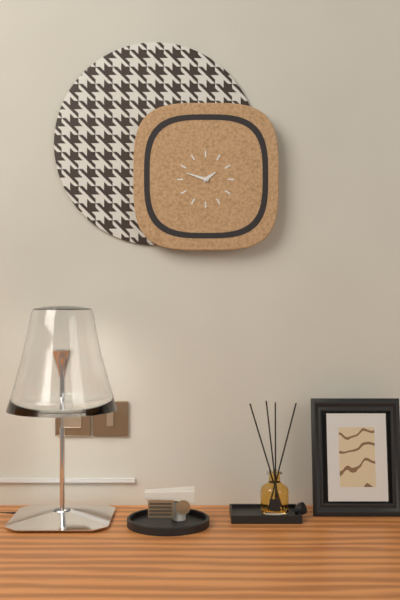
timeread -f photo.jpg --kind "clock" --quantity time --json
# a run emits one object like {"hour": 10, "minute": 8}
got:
{"hour": 1, "minute": 48}
